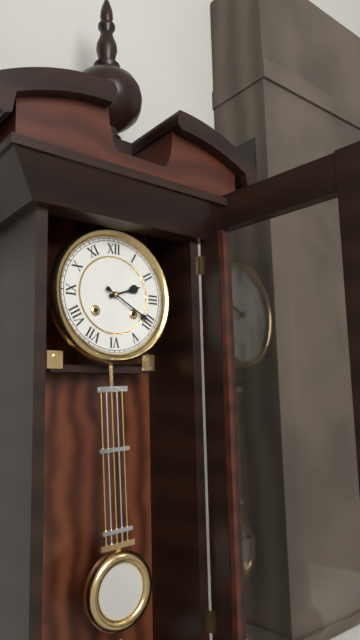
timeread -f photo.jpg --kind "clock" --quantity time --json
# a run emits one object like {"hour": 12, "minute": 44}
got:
{"hour": 2, "minute": 20}
